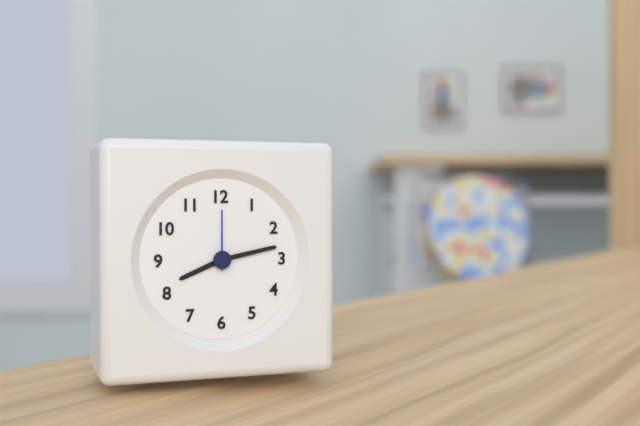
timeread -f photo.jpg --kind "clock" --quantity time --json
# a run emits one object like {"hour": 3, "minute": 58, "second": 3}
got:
{"hour": 8, "minute": 13, "second": 0}
